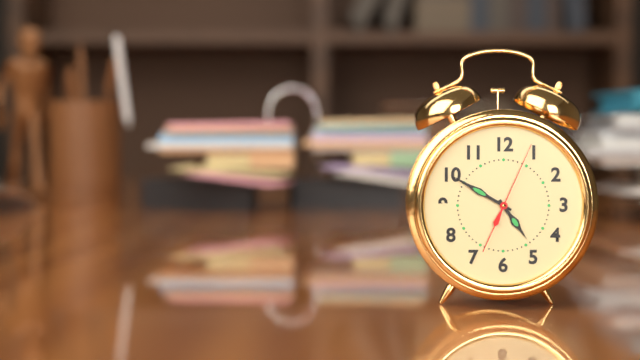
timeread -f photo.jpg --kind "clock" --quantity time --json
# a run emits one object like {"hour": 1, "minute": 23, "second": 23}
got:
{"hour": 4, "minute": 50, "second": 4}
